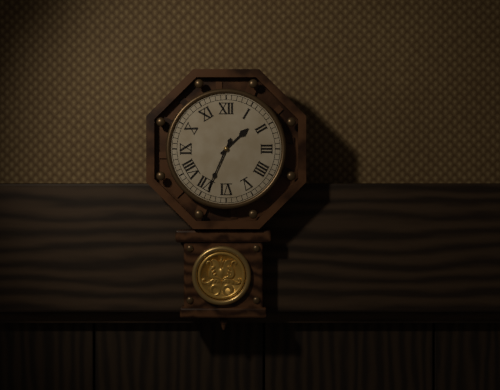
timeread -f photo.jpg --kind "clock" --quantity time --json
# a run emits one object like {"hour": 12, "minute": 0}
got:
{"hour": 1, "minute": 34}
